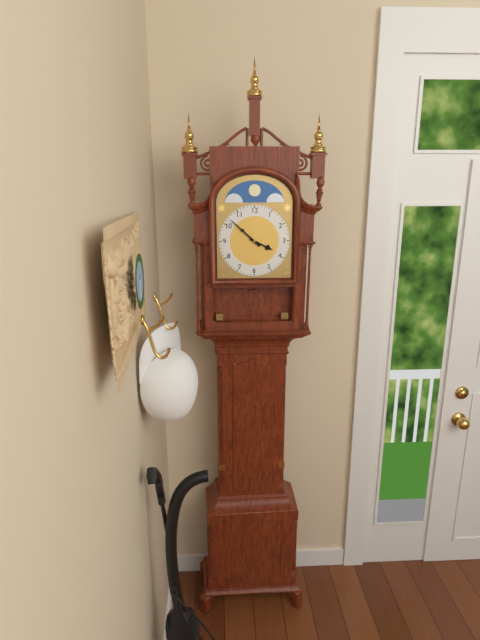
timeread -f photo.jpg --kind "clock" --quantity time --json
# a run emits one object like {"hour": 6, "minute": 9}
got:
{"hour": 3, "minute": 52}
